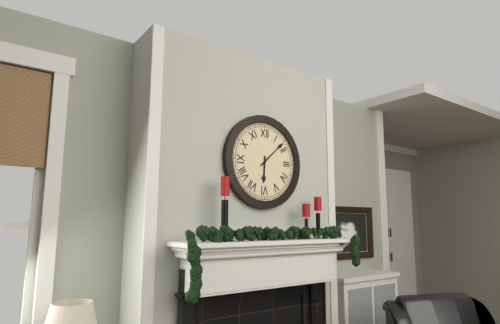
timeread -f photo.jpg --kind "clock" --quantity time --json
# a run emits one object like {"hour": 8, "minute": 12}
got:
{"hour": 6, "minute": 8}
